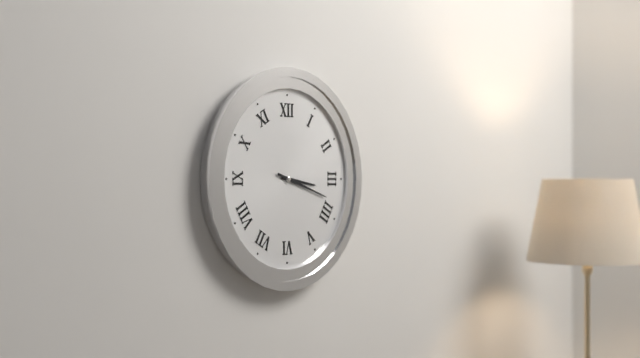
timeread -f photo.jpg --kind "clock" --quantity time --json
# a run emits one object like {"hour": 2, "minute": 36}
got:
{"hour": 3, "minute": 18}
